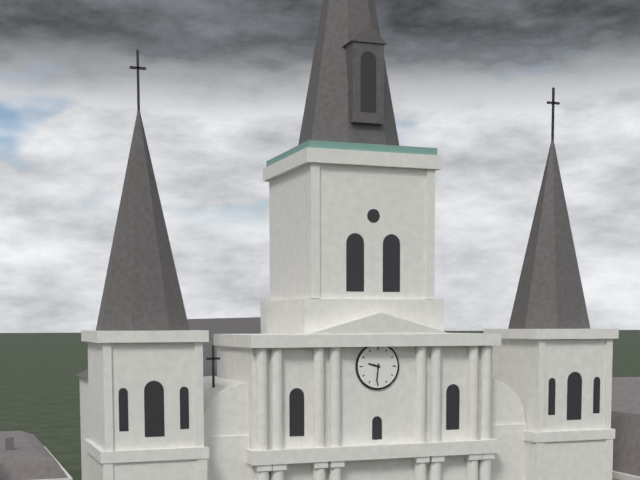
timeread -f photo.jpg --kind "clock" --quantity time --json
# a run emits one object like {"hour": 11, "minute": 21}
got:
{"hour": 9, "minute": 31}
